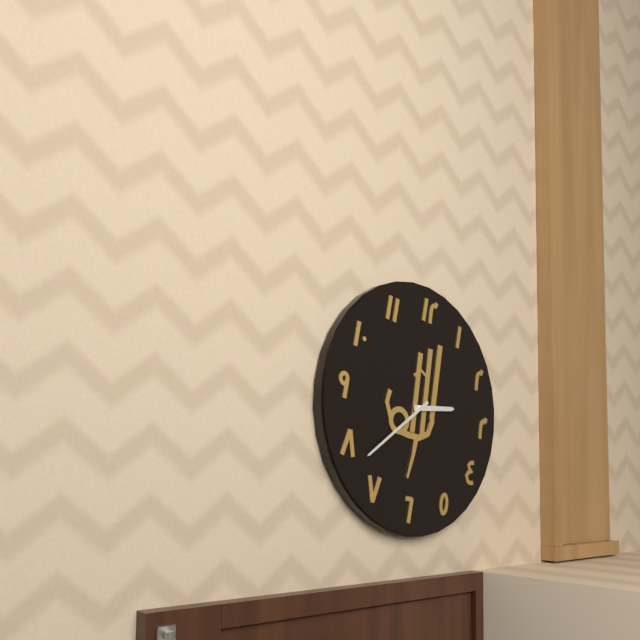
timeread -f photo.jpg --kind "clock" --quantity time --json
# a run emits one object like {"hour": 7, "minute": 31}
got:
{"hour": 2, "minute": 38}
